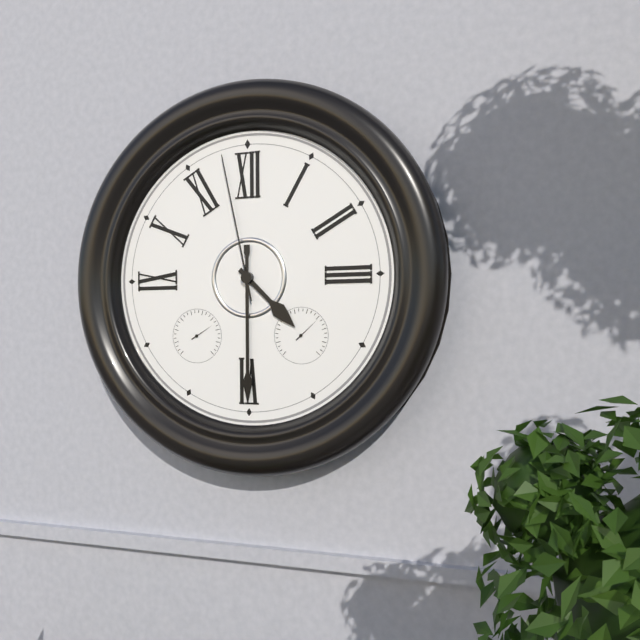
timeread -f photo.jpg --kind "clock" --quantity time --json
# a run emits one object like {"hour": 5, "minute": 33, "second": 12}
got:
{"hour": 4, "minute": 30, "second": 58}
